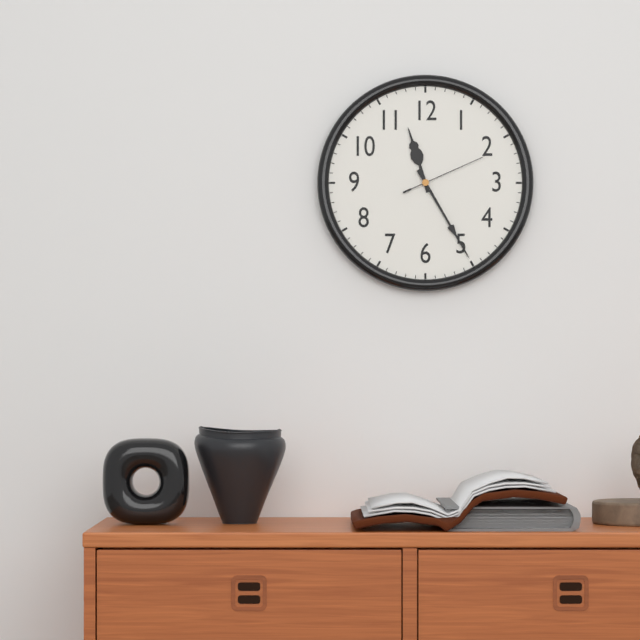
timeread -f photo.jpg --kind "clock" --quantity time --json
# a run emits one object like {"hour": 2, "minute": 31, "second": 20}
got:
{"hour": 11, "minute": 25, "second": 11}
